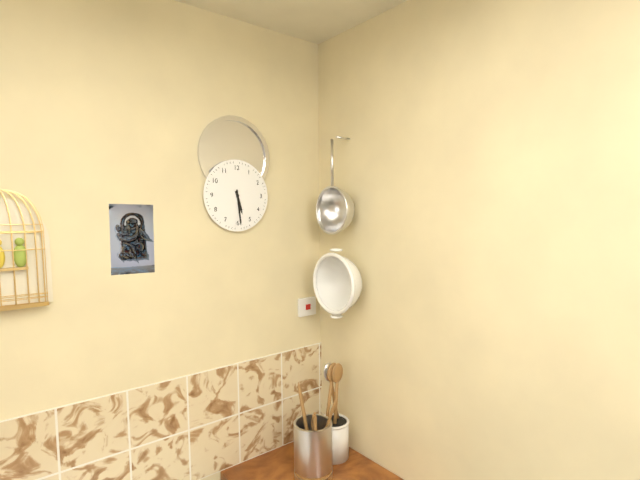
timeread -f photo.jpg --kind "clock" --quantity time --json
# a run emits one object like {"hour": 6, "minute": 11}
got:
{"hour": 5, "minute": 29}
